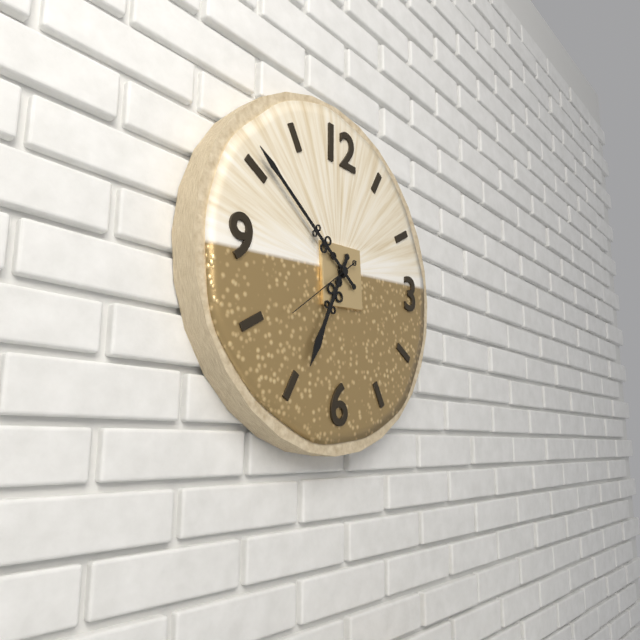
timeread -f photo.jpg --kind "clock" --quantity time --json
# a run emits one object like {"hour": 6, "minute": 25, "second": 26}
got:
{"hour": 6, "minute": 51, "second": 39}
